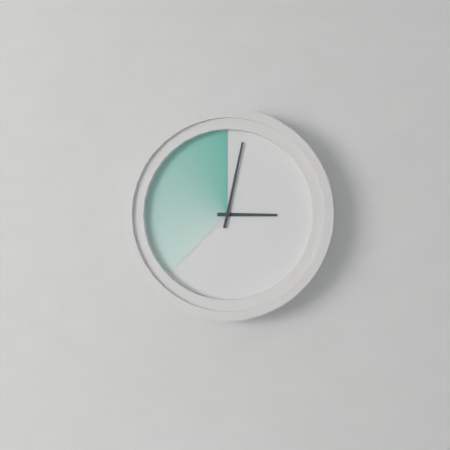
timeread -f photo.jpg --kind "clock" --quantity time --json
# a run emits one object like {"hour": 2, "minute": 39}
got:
{"hour": 3, "minute": 2}
